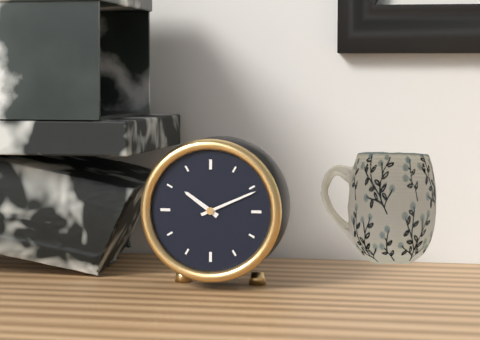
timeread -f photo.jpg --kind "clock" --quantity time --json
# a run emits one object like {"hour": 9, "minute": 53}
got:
{"hour": 10, "minute": 11}
